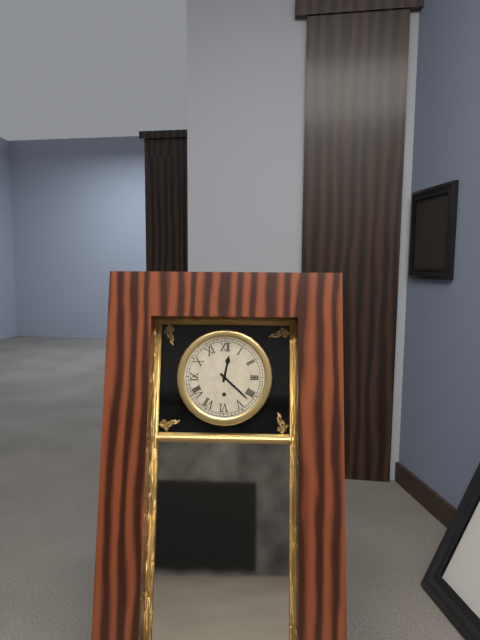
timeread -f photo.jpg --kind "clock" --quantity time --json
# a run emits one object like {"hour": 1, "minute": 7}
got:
{"hour": 12, "minute": 22}
